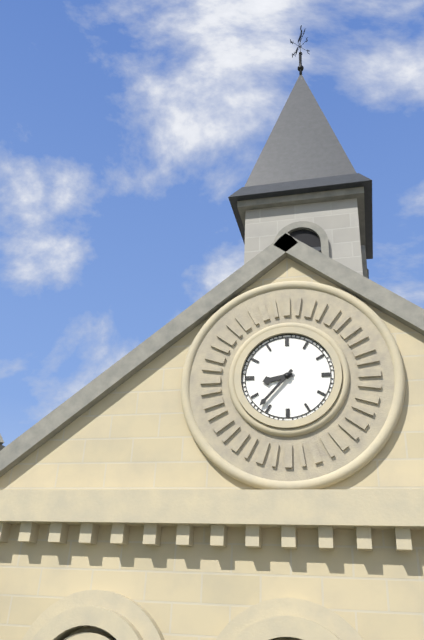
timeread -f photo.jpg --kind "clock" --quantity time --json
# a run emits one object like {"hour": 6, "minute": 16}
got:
{"hour": 8, "minute": 37}
